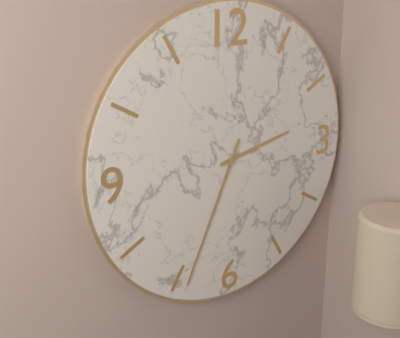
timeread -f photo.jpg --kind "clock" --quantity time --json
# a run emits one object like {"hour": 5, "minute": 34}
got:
{"hour": 2, "minute": 34}
